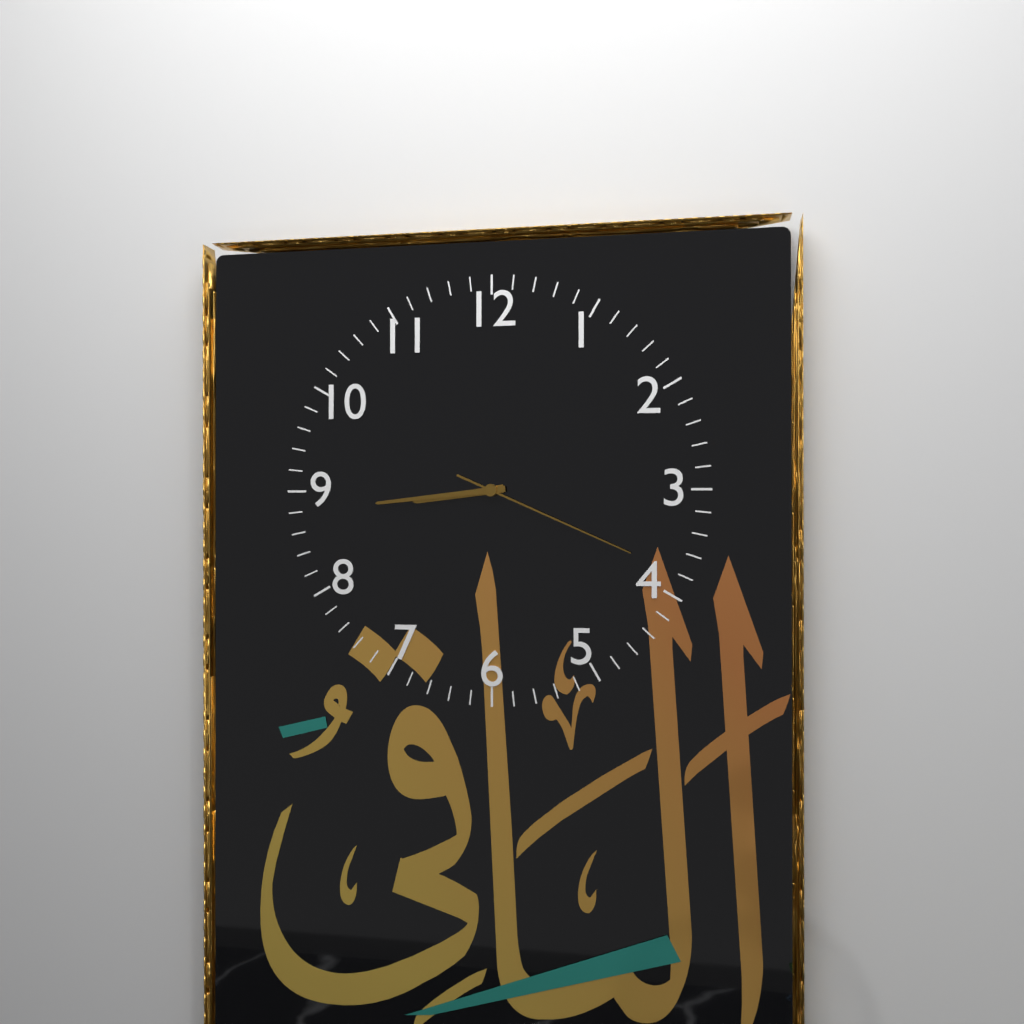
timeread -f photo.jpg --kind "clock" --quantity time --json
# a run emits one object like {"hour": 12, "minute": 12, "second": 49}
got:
{"hour": 8, "minute": 44, "second": 19}
